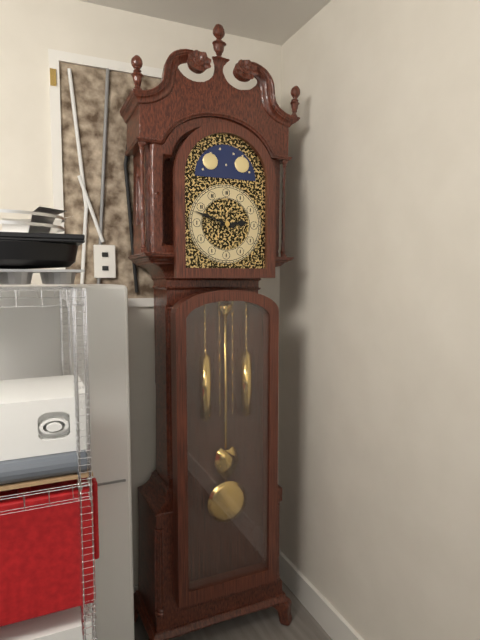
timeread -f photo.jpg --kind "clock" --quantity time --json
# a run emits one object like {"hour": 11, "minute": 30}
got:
{"hour": 2, "minute": 48}
